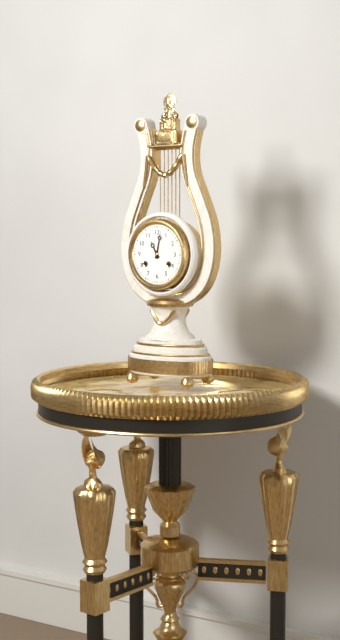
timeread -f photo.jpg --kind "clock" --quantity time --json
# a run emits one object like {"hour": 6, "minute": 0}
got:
{"hour": 11, "minute": 2}
